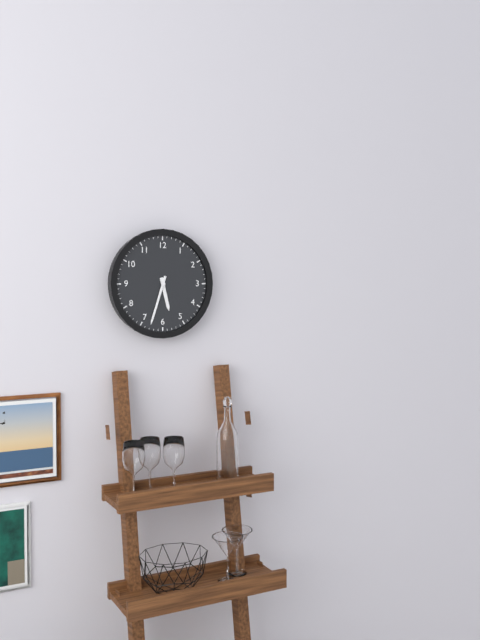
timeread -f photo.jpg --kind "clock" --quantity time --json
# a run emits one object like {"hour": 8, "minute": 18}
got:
{"hour": 5, "minute": 33}
